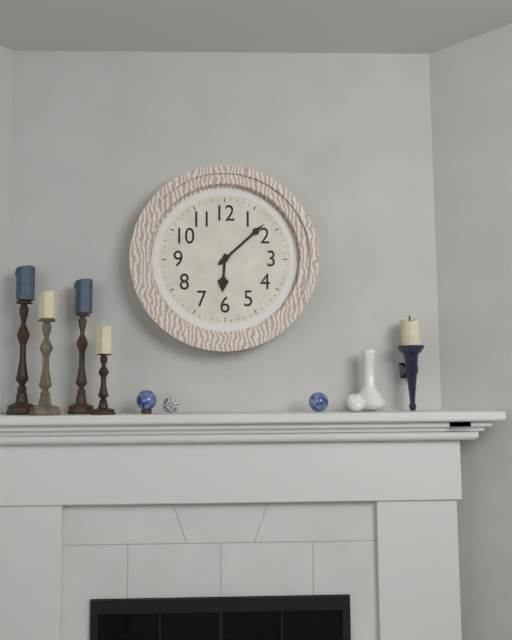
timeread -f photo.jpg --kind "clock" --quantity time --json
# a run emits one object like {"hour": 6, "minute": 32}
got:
{"hour": 6, "minute": 8}
